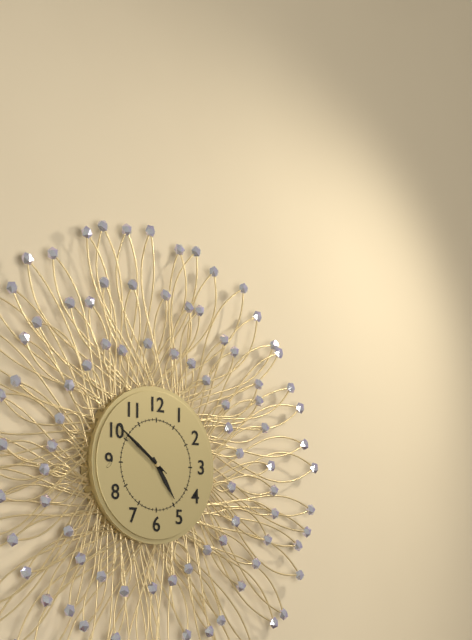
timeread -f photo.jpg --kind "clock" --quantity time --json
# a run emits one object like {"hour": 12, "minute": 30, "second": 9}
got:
{"hour": 4, "minute": 51, "second": 51}
